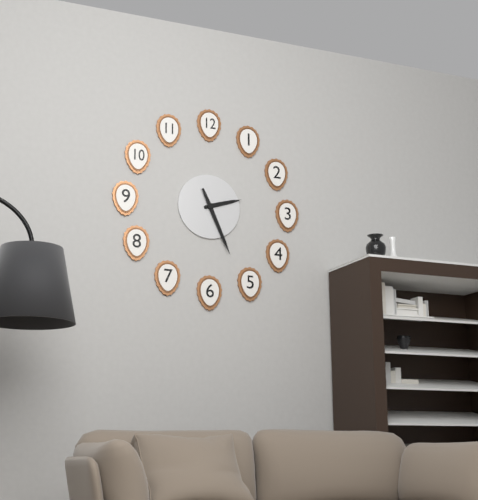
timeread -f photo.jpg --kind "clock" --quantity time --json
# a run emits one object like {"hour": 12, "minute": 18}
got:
{"hour": 2, "minute": 26}
